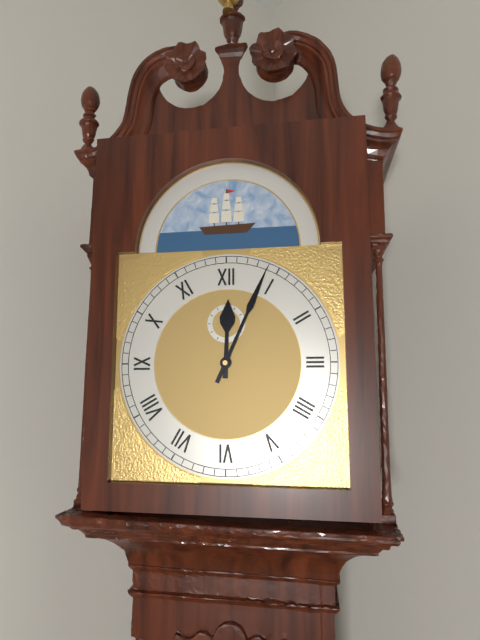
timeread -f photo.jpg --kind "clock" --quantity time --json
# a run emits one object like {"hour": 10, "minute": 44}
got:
{"hour": 12, "minute": 4}
